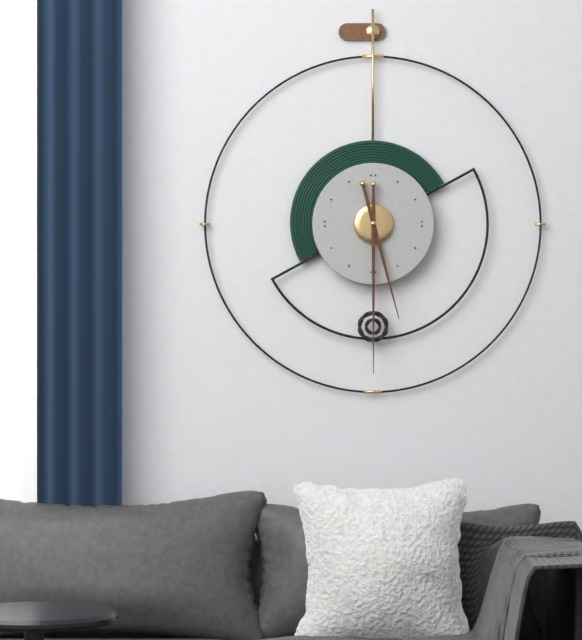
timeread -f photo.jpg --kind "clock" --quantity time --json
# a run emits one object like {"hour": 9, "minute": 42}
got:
{"hour": 5, "minute": 30}
